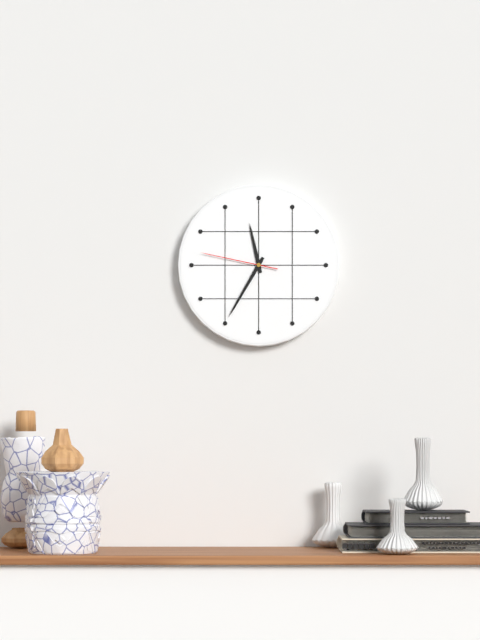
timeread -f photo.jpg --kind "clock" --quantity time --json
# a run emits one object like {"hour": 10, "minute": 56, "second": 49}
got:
{"hour": 11, "minute": 35, "second": 47}
